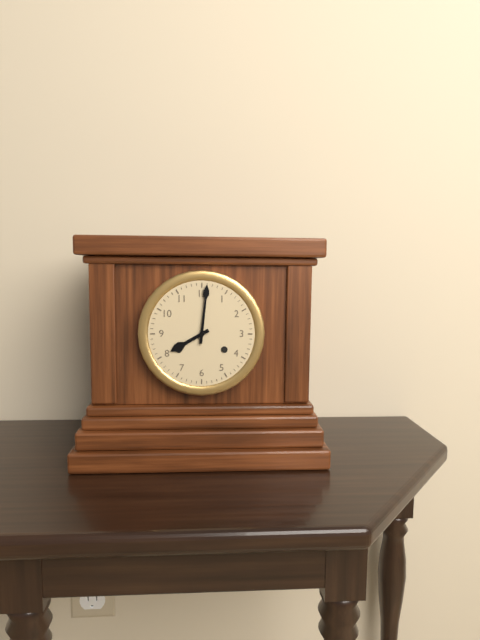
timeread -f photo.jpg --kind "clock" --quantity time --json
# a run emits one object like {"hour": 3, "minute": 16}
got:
{"hour": 8, "minute": 1}
